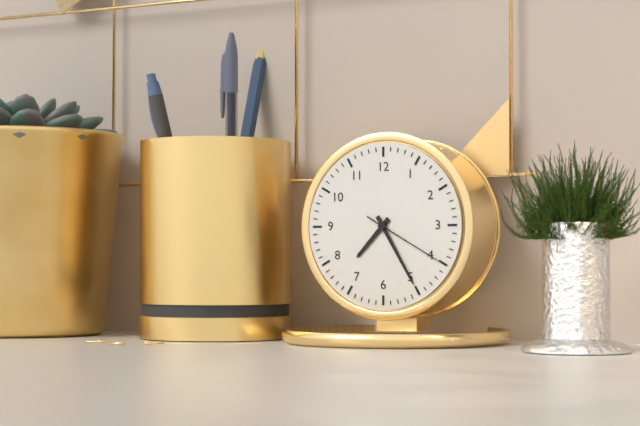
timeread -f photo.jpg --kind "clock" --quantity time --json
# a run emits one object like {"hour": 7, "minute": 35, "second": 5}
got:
{"hour": 7, "minute": 25, "second": 20}
